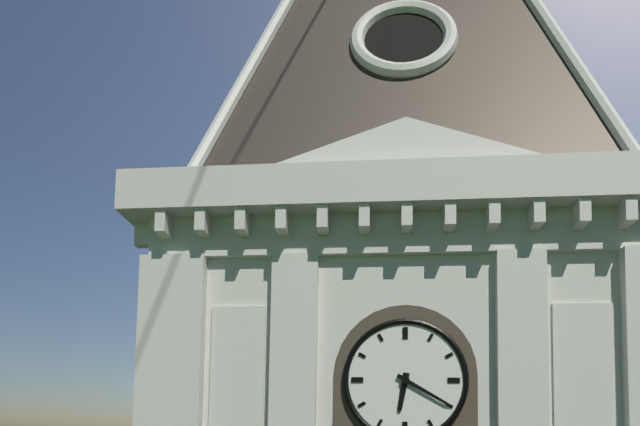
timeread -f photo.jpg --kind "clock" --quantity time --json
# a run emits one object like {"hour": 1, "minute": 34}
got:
{"hour": 6, "minute": 20}
